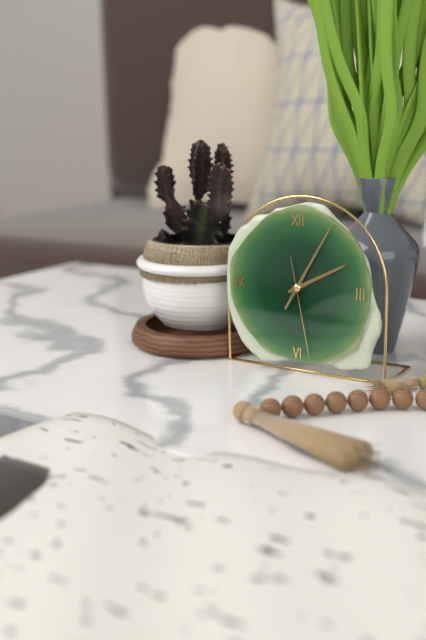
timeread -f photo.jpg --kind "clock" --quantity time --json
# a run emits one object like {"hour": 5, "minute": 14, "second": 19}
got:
{"hour": 2, "minute": 5, "second": 28}
